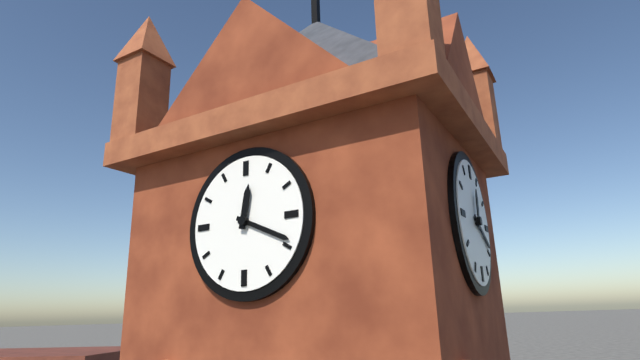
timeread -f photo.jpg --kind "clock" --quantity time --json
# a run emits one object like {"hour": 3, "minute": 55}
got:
{"hour": 12, "minute": 19}
